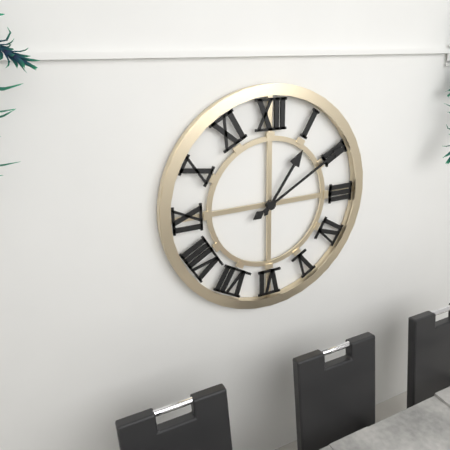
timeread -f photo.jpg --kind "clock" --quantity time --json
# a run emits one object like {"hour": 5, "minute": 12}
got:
{"hour": 1, "minute": 10}
